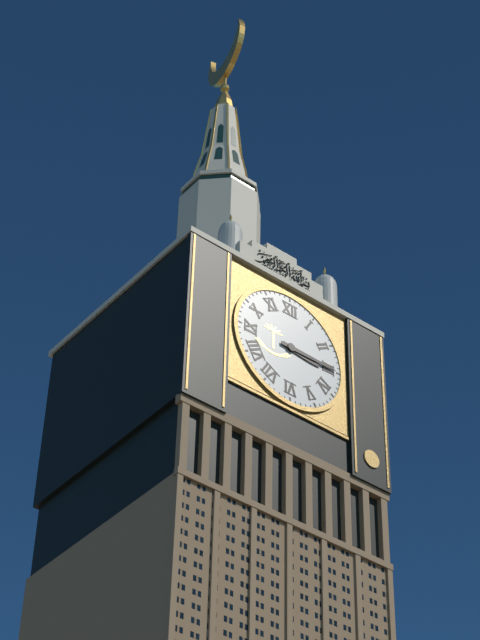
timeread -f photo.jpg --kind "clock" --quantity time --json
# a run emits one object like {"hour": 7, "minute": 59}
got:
{"hour": 3, "minute": 15}
